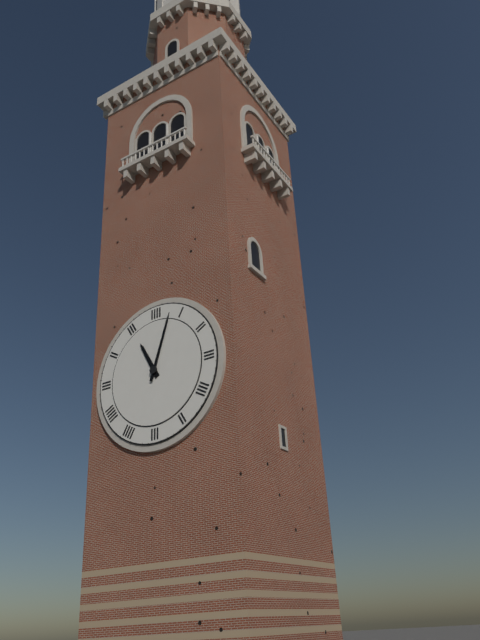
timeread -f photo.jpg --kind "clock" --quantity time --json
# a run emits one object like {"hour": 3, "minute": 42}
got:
{"hour": 11, "minute": 3}
